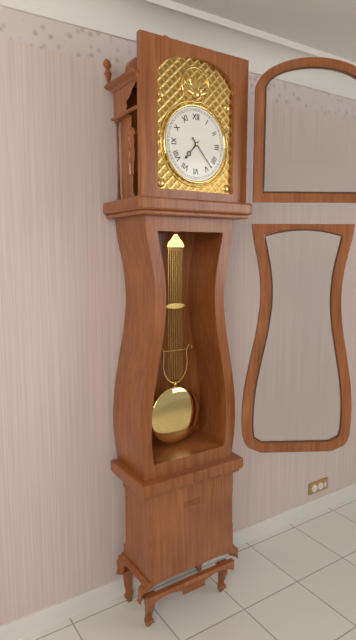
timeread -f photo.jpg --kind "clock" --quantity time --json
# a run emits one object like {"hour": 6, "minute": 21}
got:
{"hour": 7, "minute": 23}
